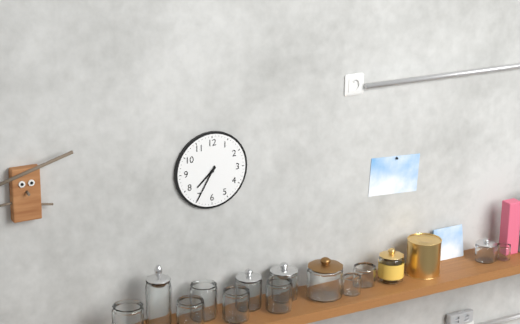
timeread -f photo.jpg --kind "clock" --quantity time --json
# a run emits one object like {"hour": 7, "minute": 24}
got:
{"hour": 7, "minute": 35}
